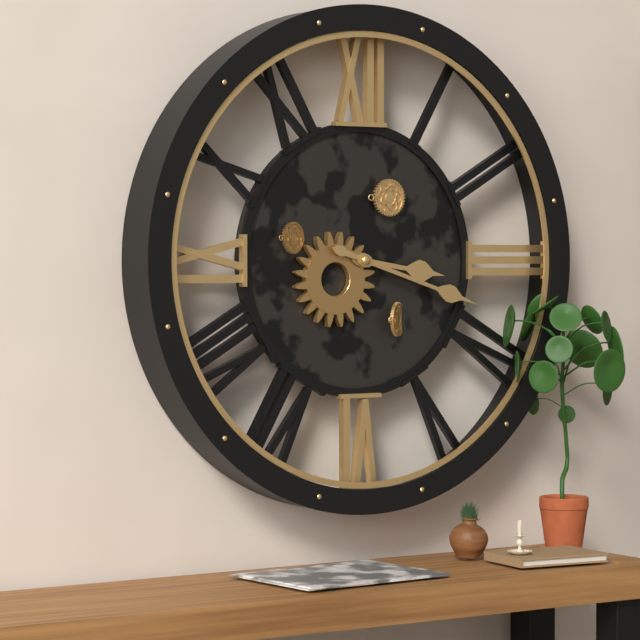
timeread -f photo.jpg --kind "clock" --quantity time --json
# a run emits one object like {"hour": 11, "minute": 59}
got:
{"hour": 3, "minute": 18}
